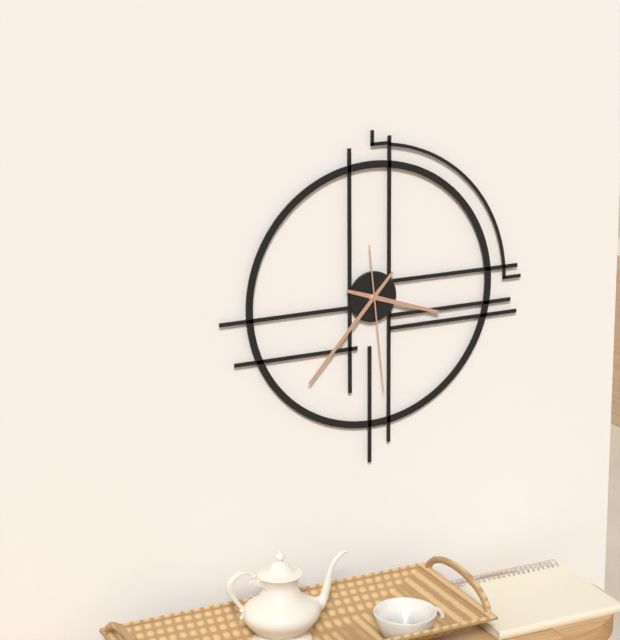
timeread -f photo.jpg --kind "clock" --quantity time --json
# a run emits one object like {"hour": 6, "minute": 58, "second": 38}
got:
{"hour": 3, "minute": 37, "second": 29}
